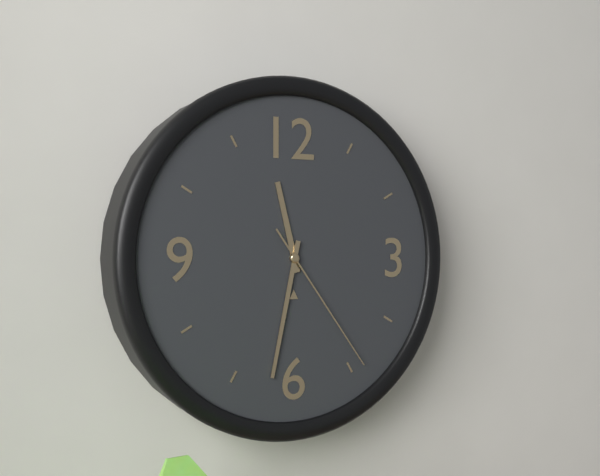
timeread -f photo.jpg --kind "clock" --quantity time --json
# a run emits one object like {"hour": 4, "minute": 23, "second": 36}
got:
{"hour": 11, "minute": 32, "second": 24}
